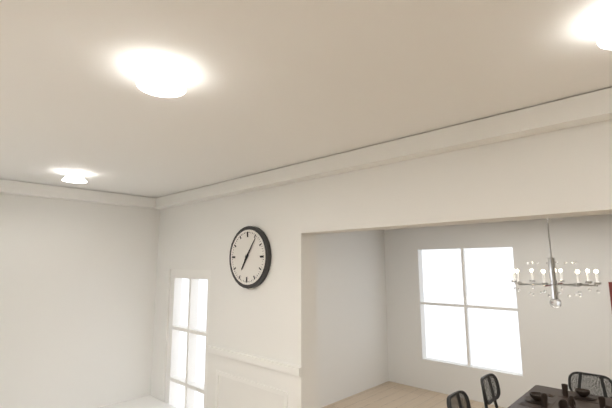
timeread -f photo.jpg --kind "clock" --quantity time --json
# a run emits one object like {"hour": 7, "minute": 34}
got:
{"hour": 7, "minute": 6}
